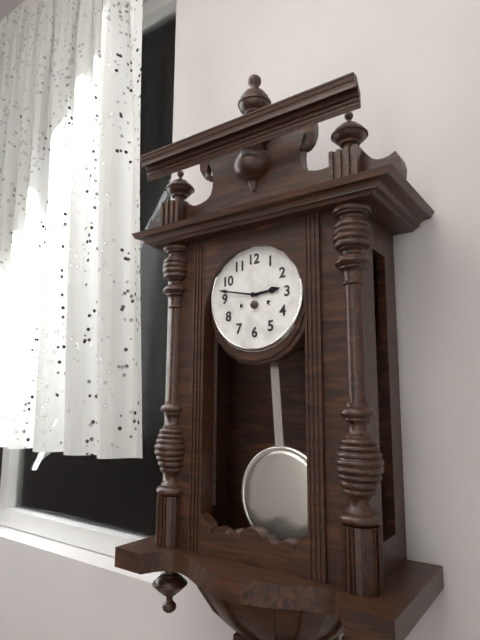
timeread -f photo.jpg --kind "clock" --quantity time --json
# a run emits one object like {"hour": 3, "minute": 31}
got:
{"hour": 2, "minute": 47}
